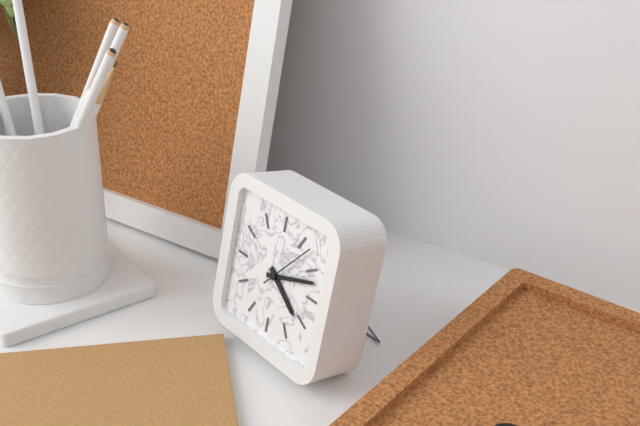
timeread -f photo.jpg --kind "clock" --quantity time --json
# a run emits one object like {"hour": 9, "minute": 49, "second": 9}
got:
{"hour": 4, "minute": 12, "second": 7}
